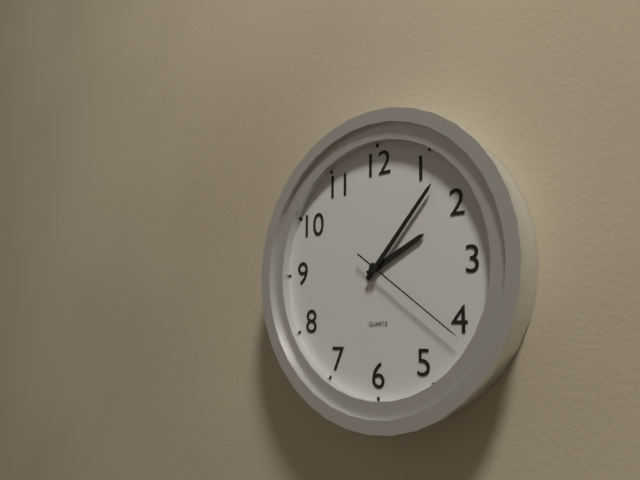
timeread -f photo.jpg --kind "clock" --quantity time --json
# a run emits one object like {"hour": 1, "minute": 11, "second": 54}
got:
{"hour": 2, "minute": 7, "second": 21}
